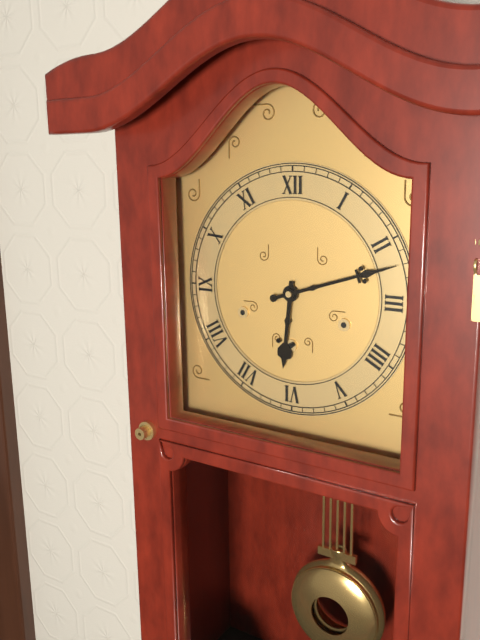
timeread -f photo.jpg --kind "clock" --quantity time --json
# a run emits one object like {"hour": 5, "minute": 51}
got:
{"hour": 6, "minute": 12}
